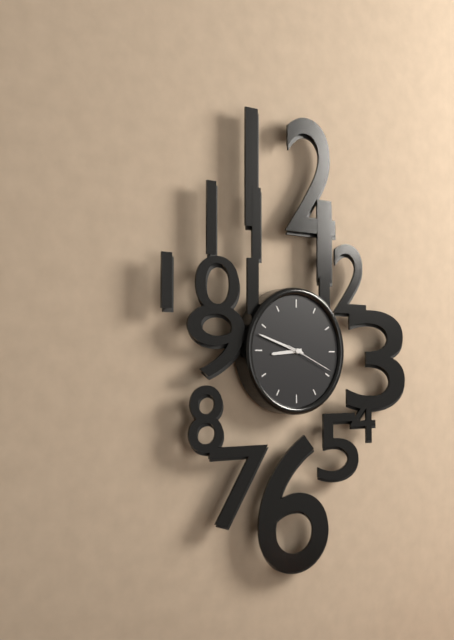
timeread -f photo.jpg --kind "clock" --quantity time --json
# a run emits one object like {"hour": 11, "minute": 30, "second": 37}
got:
{"hour": 8, "minute": 48, "second": 19}
